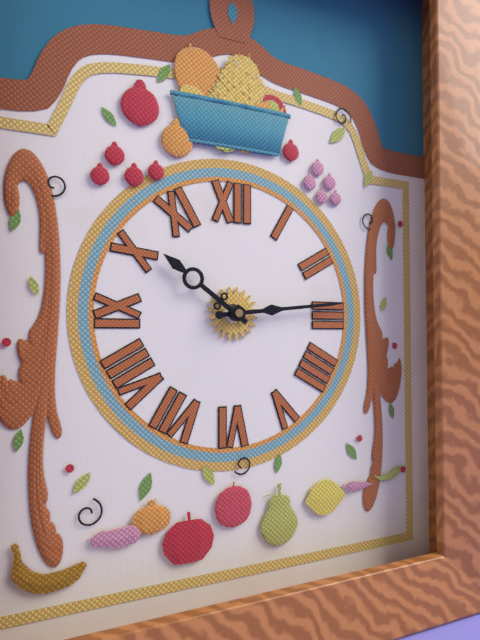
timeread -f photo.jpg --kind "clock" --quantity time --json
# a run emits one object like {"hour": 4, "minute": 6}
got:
{"hour": 10, "minute": 14}
